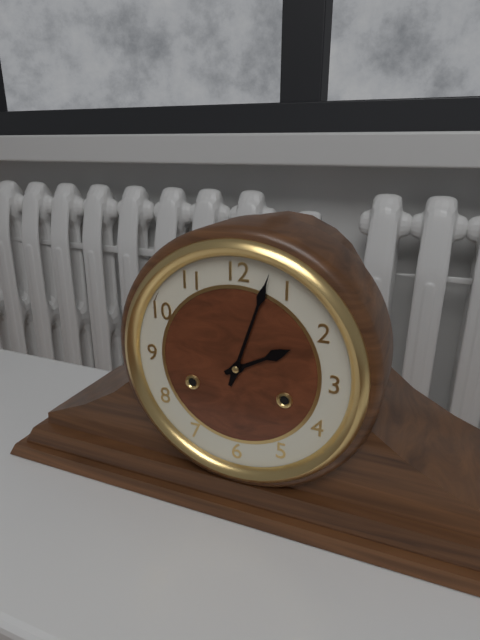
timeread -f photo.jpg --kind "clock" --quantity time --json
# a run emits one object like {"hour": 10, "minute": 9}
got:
{"hour": 2, "minute": 3}
